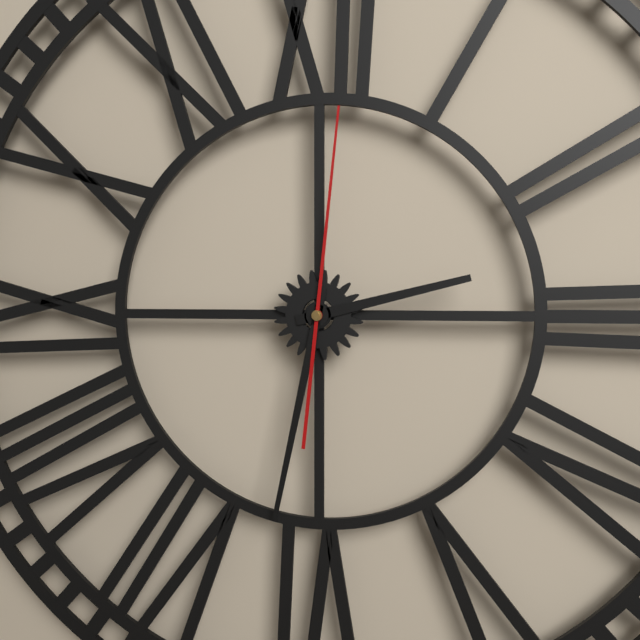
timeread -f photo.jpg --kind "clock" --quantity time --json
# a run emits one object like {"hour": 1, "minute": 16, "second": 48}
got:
{"hour": 2, "minute": 32, "second": 1}
